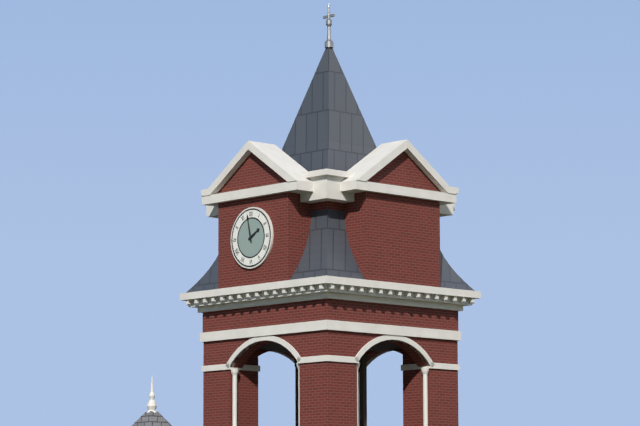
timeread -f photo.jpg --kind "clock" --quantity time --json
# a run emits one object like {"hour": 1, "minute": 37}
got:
{"hour": 1, "minute": 58}
